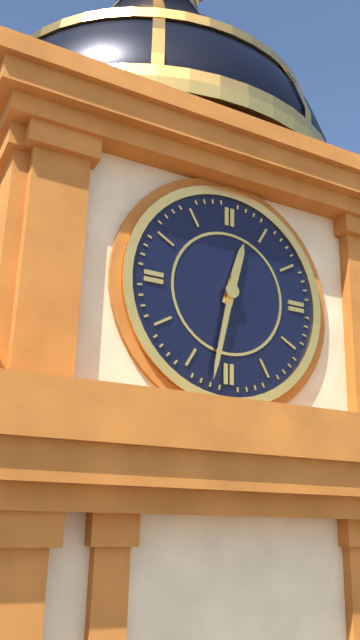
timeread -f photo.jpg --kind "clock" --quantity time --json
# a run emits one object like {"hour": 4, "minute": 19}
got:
{"hour": 12, "minute": 32}
